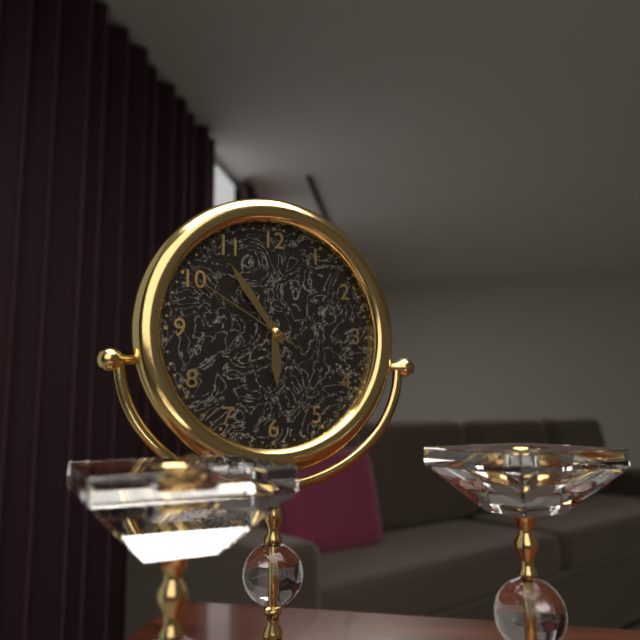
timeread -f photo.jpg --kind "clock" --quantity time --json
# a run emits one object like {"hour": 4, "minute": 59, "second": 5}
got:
{"hour": 5, "minute": 54, "second": 50}
